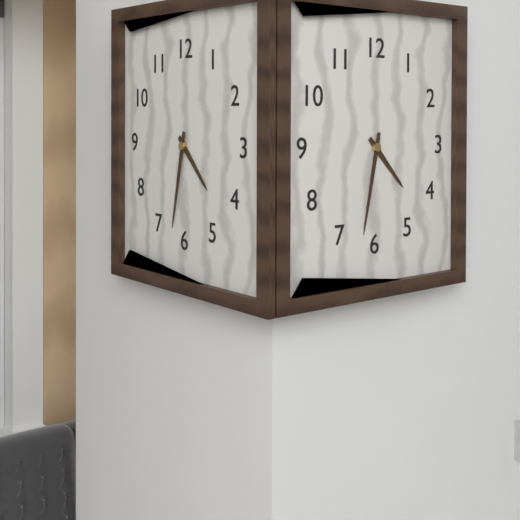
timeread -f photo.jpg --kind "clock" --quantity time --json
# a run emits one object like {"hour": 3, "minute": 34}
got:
{"hour": 4, "minute": 32}
